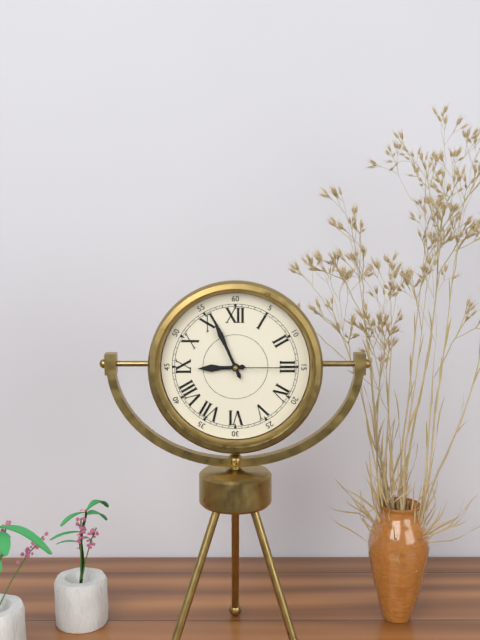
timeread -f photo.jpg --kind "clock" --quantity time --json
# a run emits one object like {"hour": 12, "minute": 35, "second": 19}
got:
{"hour": 8, "minute": 56, "second": 15}
